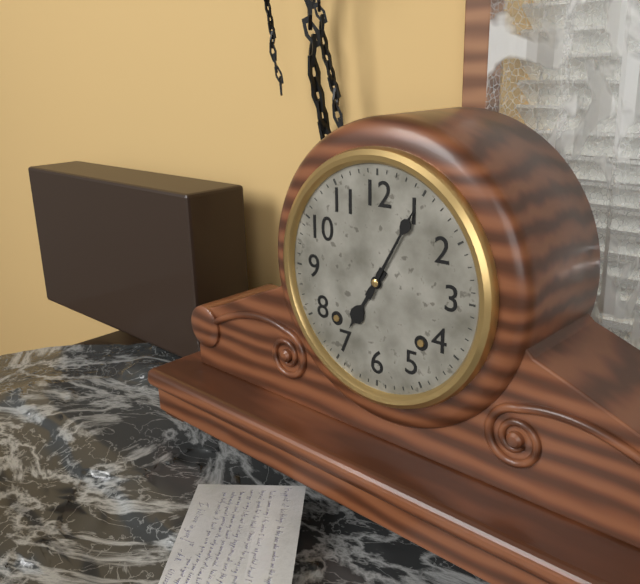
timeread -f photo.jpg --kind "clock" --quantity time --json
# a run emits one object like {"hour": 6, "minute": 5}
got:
{"hour": 7, "minute": 5}
